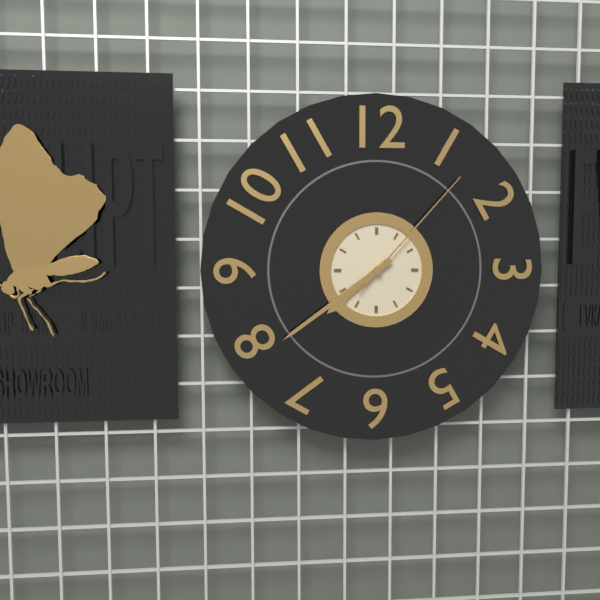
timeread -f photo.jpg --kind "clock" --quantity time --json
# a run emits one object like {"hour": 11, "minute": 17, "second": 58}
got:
{"hour": 7, "minute": 39, "second": 7}
